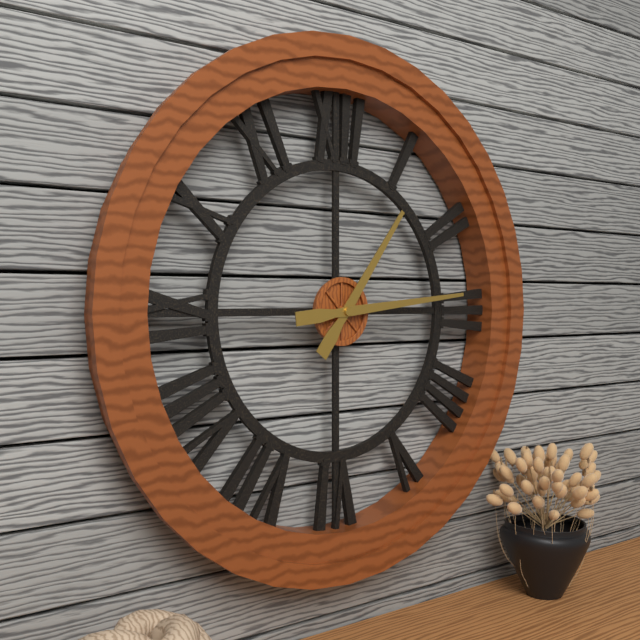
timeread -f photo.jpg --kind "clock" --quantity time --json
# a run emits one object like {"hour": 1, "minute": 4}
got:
{"hour": 1, "minute": 14}
